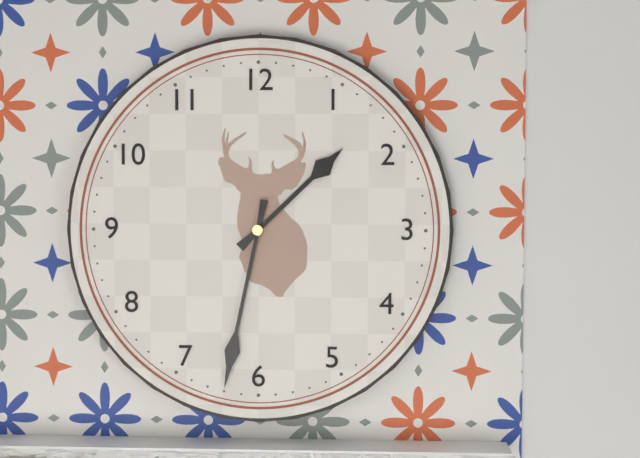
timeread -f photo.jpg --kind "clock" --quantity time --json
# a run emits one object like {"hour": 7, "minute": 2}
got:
{"hour": 1, "minute": 32}
